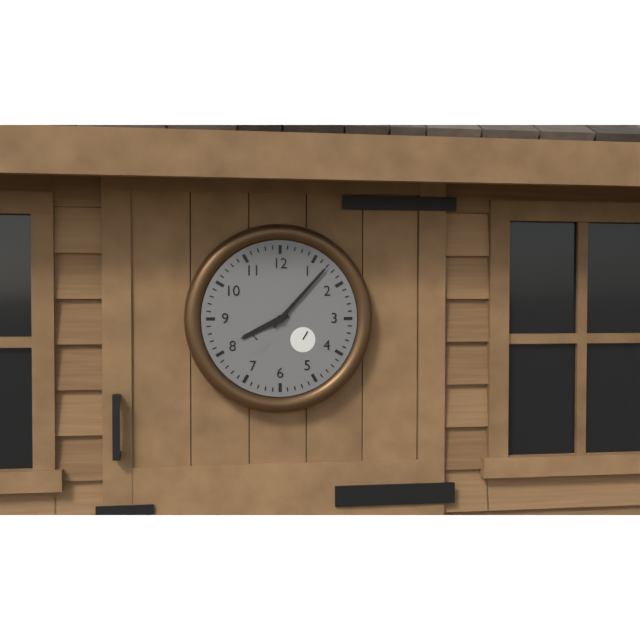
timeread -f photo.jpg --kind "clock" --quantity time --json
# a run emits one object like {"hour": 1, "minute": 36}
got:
{"hour": 8, "minute": 7}
